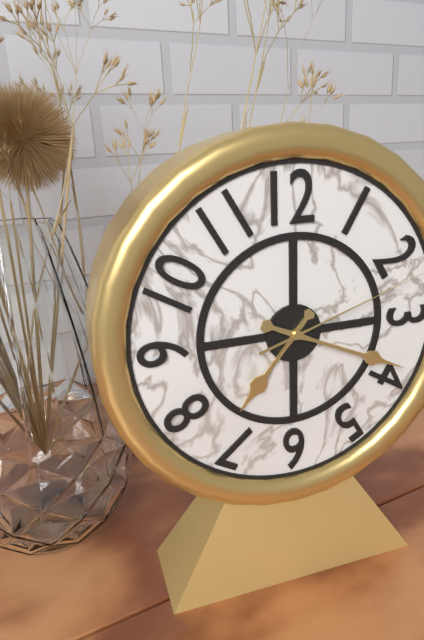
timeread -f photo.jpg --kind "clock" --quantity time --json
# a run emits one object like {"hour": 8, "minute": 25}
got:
{"hour": 7, "minute": 19}
